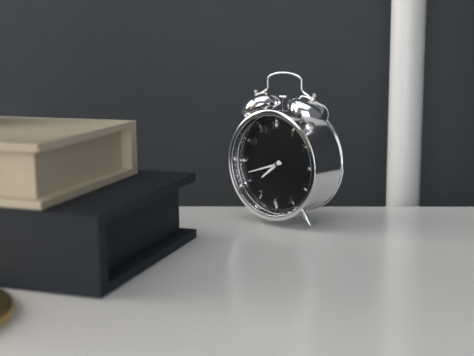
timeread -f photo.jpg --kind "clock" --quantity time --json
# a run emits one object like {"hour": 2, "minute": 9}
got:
{"hour": 7, "minute": 42}
